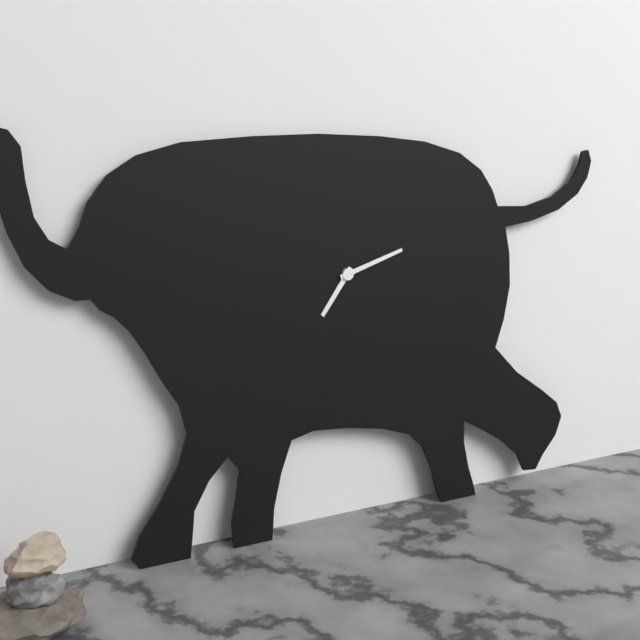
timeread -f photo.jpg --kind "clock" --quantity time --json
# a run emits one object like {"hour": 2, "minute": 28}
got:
{"hour": 7, "minute": 12}
